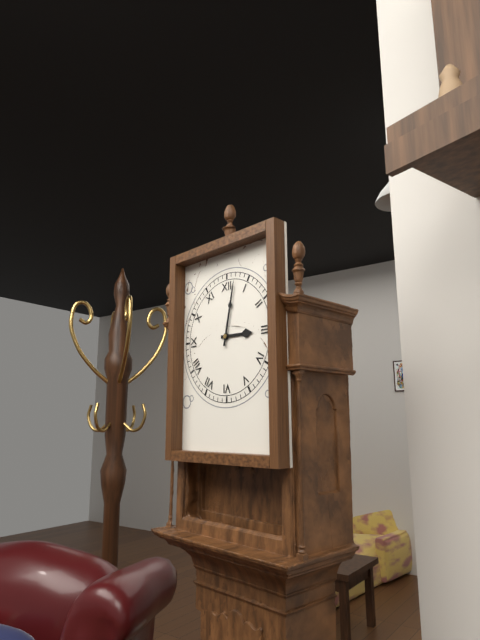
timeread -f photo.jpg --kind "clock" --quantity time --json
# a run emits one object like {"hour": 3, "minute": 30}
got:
{"hour": 3, "minute": 2}
